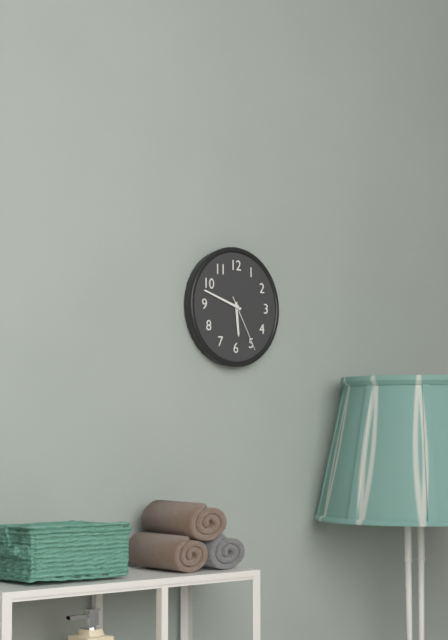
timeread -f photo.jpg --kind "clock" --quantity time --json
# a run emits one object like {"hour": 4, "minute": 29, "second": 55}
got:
{"hour": 5, "minute": 48, "second": 25}
